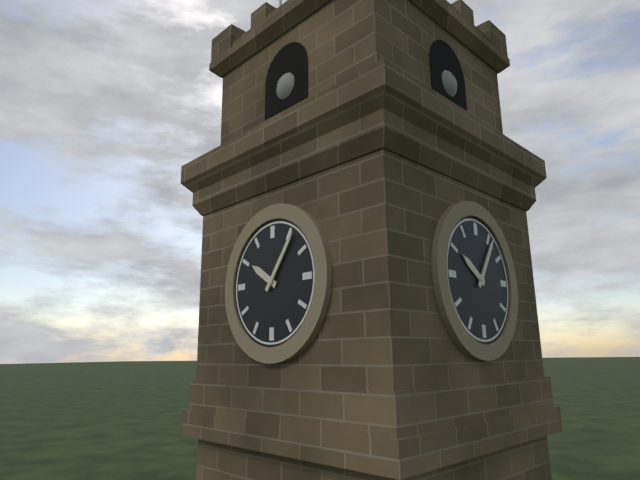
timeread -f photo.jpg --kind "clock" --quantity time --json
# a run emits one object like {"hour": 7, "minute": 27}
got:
{"hour": 10, "minute": 6}
